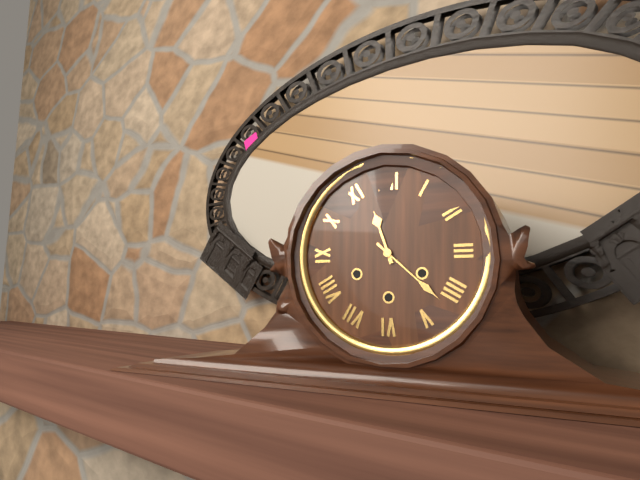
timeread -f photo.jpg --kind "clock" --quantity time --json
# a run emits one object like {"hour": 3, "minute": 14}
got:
{"hour": 11, "minute": 22}
